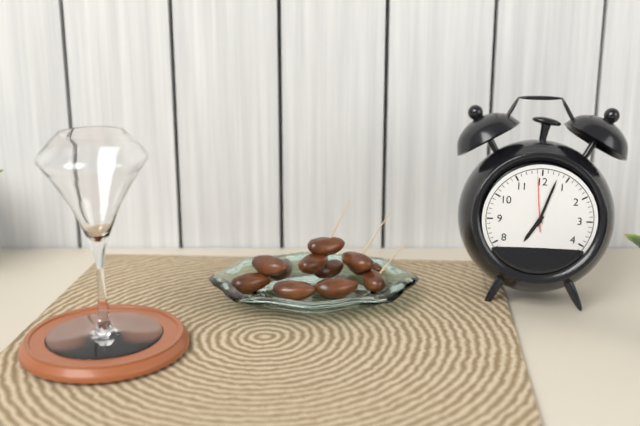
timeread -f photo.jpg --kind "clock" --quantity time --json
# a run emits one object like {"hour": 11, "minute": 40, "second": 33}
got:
{"hour": 7, "minute": 3, "second": 59}
